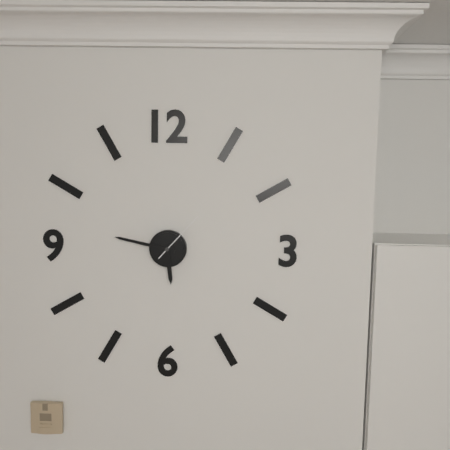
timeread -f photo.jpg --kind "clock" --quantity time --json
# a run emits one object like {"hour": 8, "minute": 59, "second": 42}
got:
{"hour": 5, "minute": 47, "second": 7}
